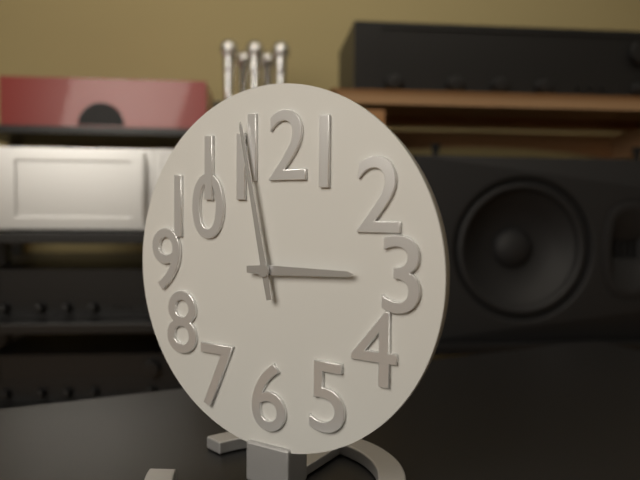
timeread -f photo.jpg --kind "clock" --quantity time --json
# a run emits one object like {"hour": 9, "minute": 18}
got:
{"hour": 2, "minute": 58}
